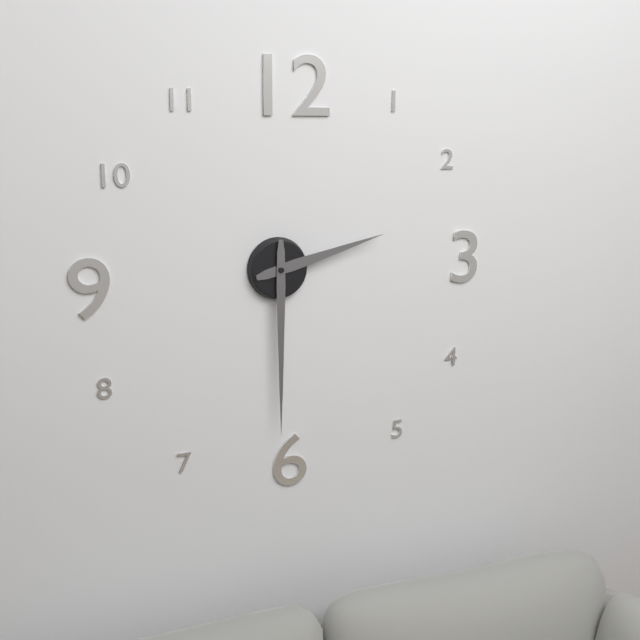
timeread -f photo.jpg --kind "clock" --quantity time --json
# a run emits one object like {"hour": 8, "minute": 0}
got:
{"hour": 2, "minute": 30}
